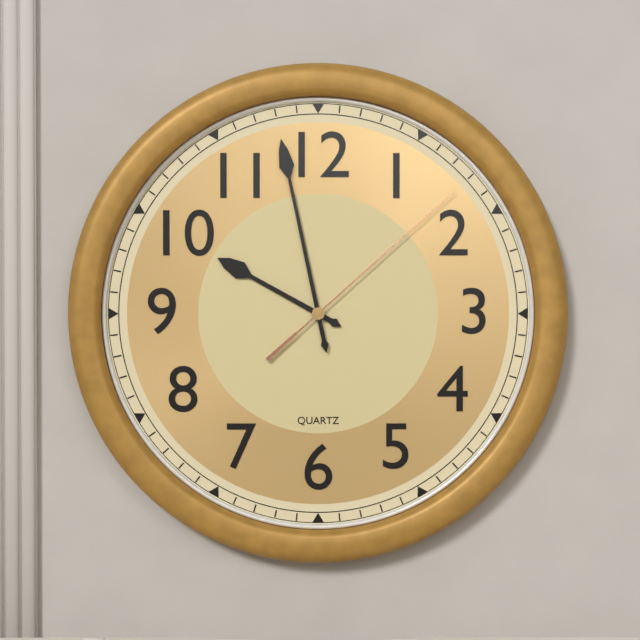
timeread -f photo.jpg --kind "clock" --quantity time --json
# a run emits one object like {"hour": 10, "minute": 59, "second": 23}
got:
{"hour": 9, "minute": 58, "second": 8}
